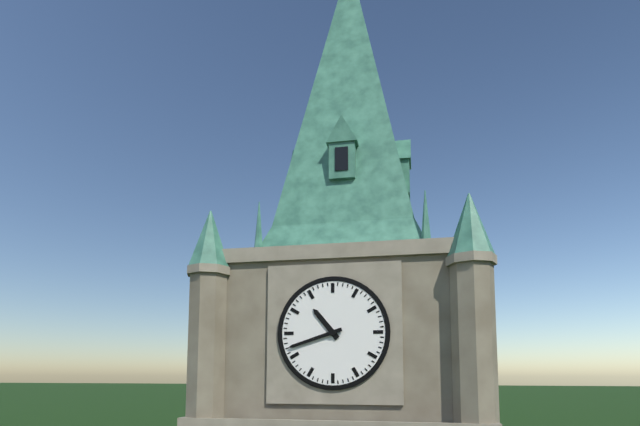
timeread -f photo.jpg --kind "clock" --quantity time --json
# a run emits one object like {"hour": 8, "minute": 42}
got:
{"hour": 10, "minute": 42}
